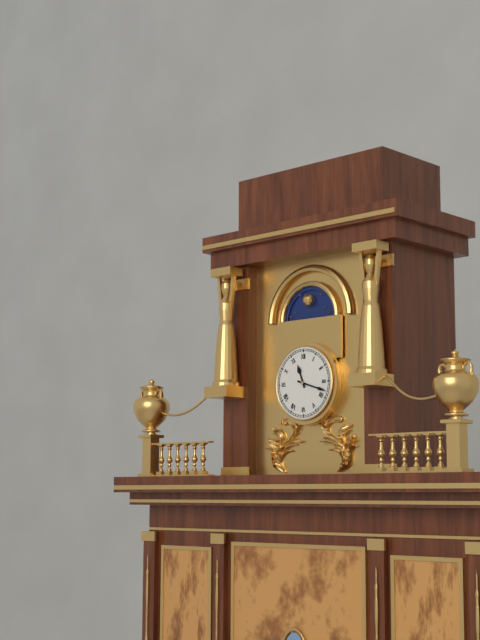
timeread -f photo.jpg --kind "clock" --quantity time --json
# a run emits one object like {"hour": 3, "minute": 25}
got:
{"hour": 11, "minute": 18}
